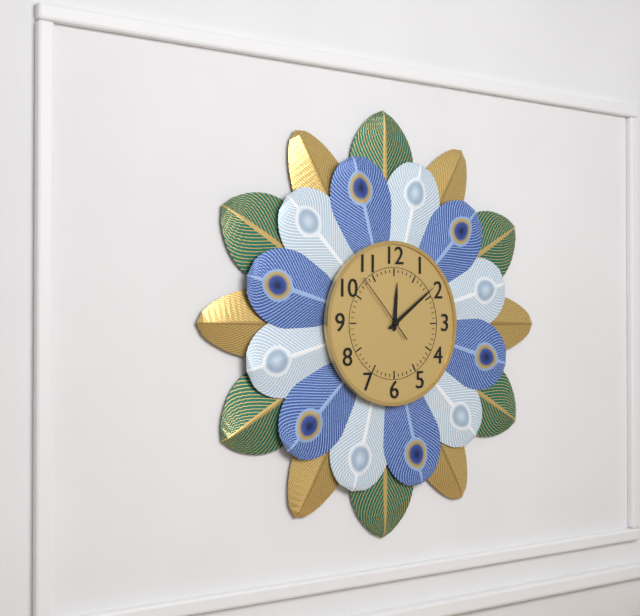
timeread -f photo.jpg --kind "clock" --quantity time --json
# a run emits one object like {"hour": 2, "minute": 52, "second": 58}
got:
{"hour": 12, "minute": 9, "second": 53}
